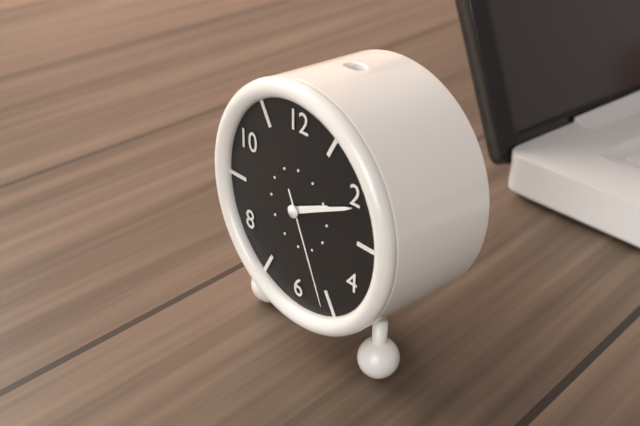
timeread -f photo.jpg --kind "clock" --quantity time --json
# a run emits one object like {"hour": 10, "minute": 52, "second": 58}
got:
{"hour": 2, "minute": 11, "second": 26}
